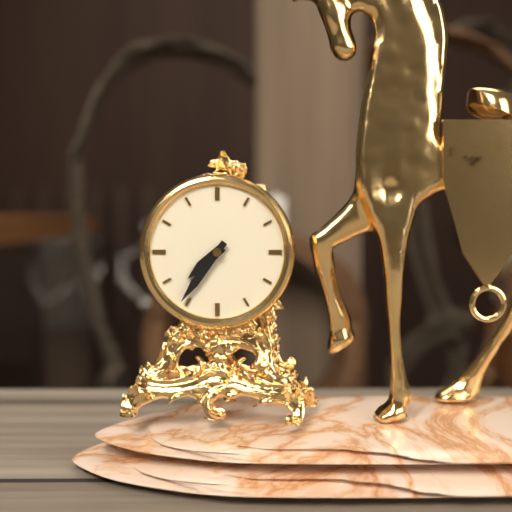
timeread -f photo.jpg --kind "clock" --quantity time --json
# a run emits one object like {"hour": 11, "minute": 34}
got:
{"hour": 7, "minute": 36}
